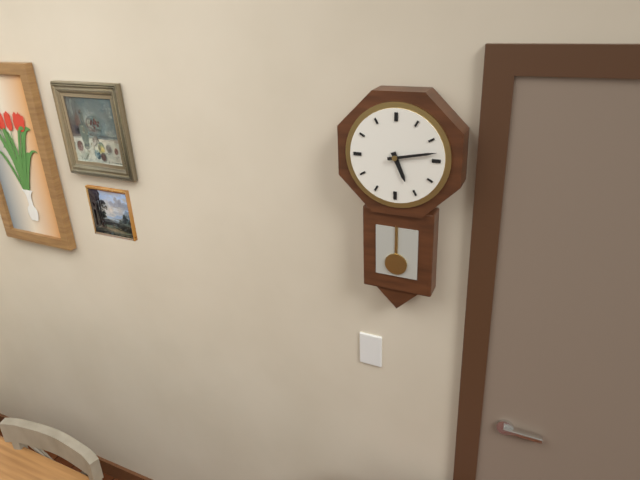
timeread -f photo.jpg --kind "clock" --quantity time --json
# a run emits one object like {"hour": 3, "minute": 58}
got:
{"hour": 5, "minute": 13}
